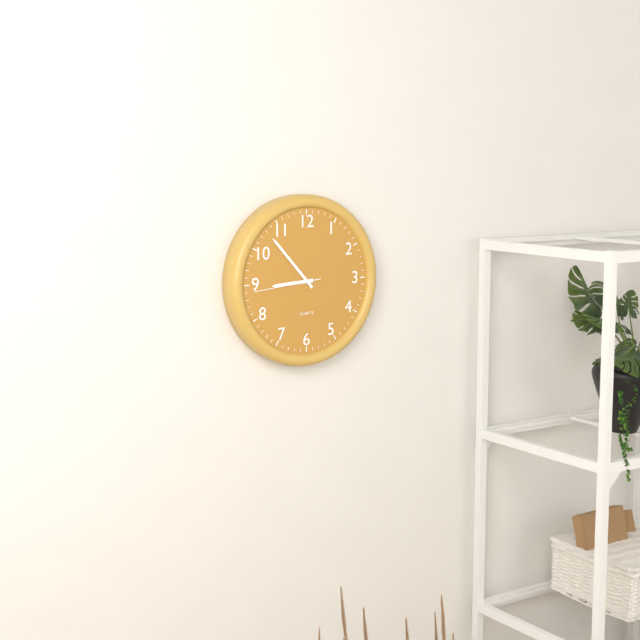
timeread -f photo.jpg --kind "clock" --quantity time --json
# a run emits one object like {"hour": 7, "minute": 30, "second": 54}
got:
{"hour": 8, "minute": 53, "second": 44}
